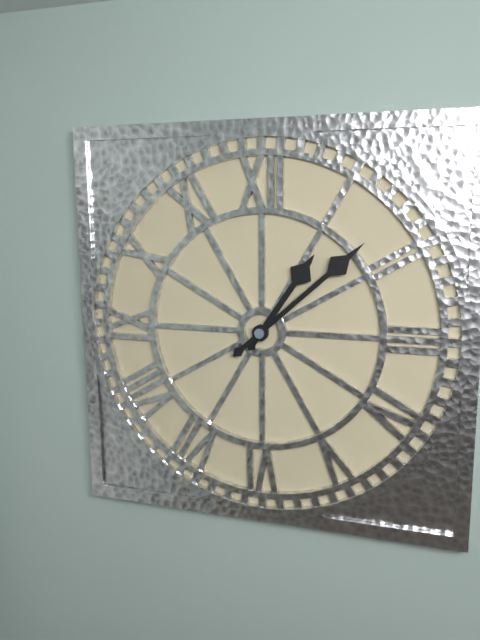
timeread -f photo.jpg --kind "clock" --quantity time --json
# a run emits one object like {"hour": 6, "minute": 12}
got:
{"hour": 1, "minute": 8}
